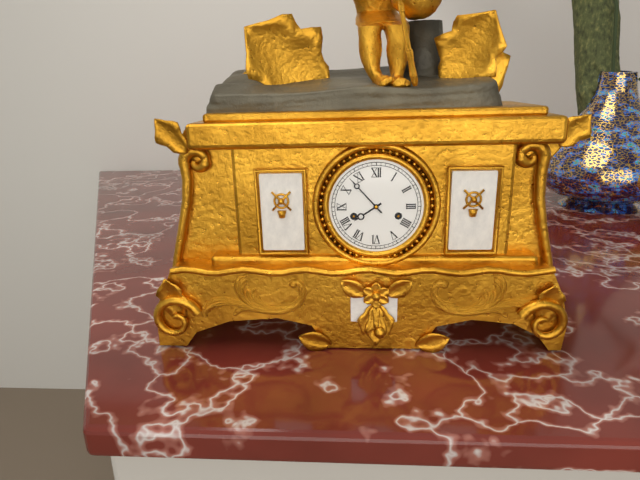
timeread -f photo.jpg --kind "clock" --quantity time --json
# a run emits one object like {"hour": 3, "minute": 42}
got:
{"hour": 7, "minute": 53}
